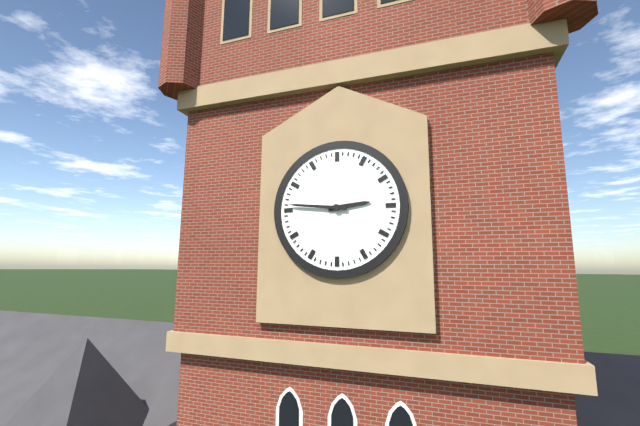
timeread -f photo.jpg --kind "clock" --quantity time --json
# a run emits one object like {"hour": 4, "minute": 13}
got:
{"hour": 2, "minute": 46}
